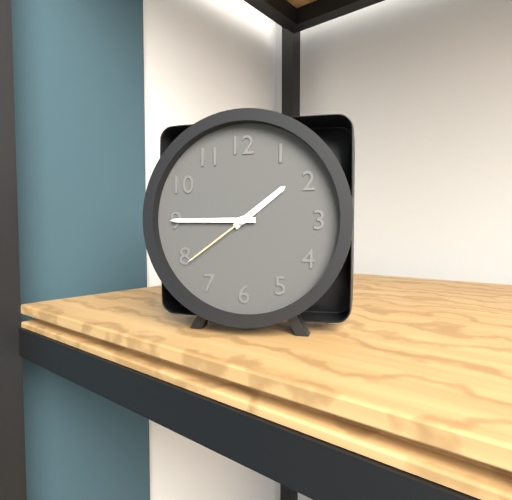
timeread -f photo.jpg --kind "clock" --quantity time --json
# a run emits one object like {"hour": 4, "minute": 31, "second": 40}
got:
{"hour": 1, "minute": 45, "second": 39}
